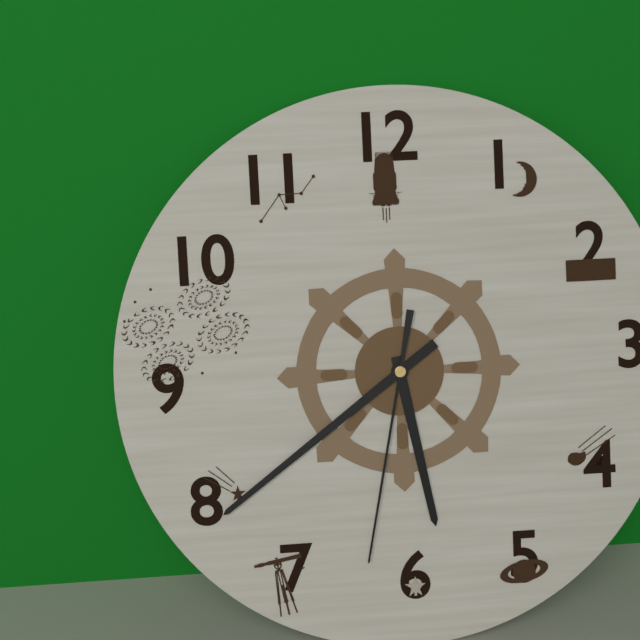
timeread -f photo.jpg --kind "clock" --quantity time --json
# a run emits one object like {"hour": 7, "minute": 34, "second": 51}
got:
{"hour": 5, "minute": 39, "second": 32}
